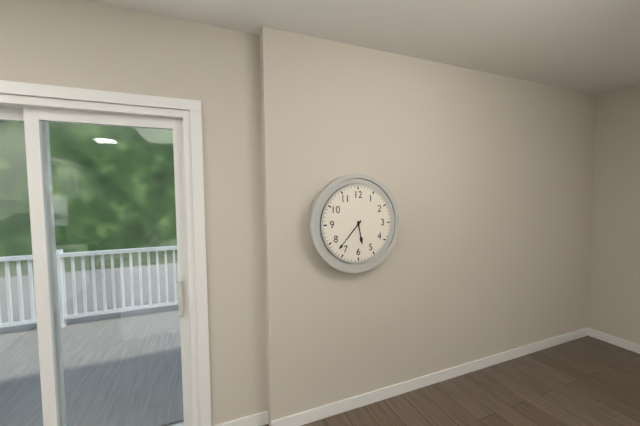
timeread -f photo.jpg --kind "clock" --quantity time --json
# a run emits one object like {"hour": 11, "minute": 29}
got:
{"hour": 5, "minute": 37}
